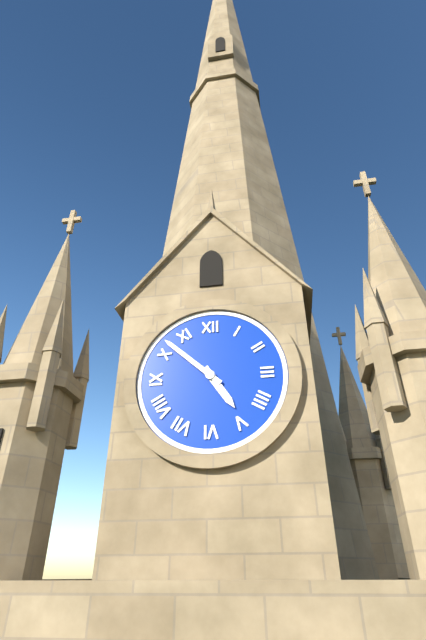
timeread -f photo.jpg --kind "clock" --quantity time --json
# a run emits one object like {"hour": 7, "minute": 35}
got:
{"hour": 4, "minute": 52}
